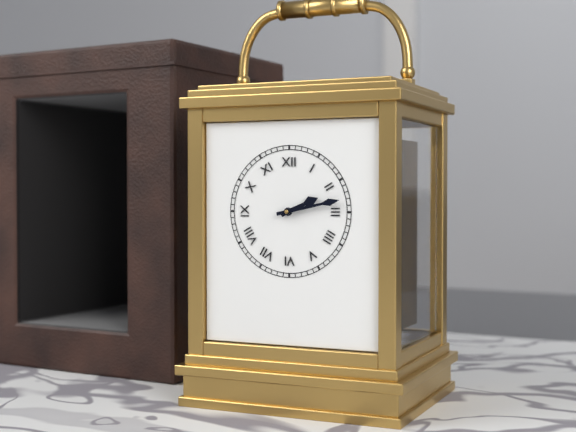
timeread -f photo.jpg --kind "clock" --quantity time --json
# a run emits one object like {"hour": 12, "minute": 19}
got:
{"hour": 2, "minute": 13}
